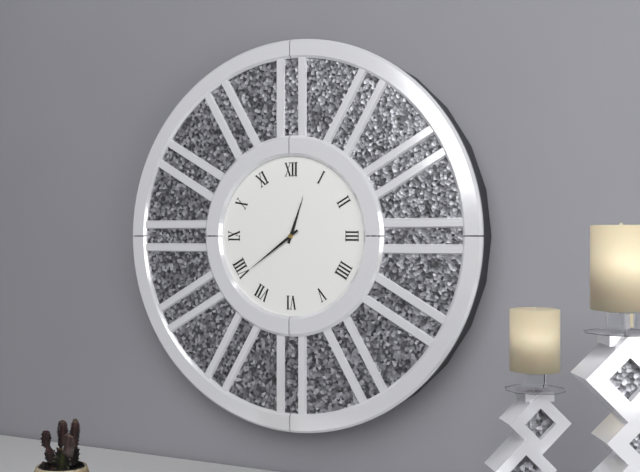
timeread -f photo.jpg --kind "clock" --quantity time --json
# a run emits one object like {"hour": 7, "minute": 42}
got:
{"hour": 12, "minute": 39}
